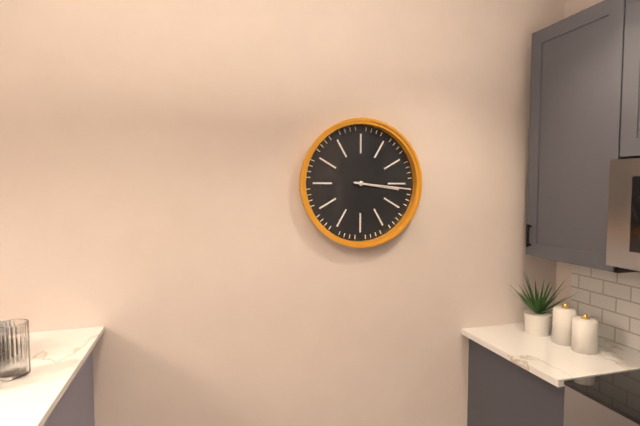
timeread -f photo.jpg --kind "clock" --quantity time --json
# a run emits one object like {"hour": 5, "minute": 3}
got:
{"hour": 3, "minute": 16}
